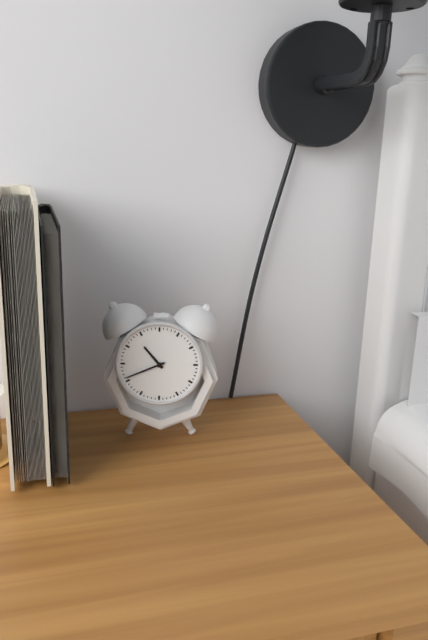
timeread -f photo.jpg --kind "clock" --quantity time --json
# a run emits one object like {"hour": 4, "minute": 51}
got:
{"hour": 10, "minute": 41}
